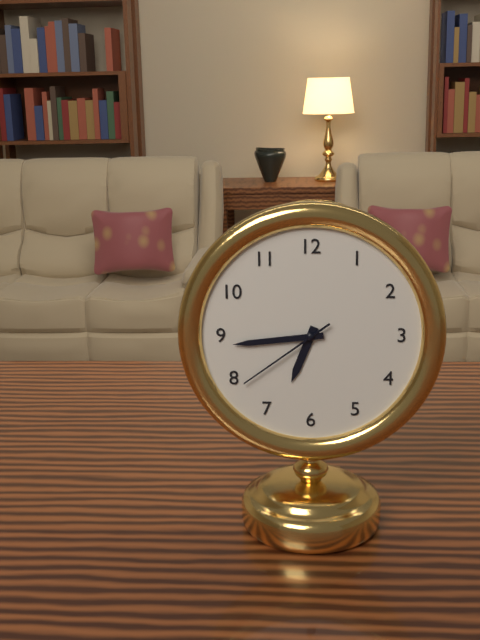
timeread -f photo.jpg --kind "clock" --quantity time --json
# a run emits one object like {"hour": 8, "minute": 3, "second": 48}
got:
{"hour": 6, "minute": 44, "second": 39}
